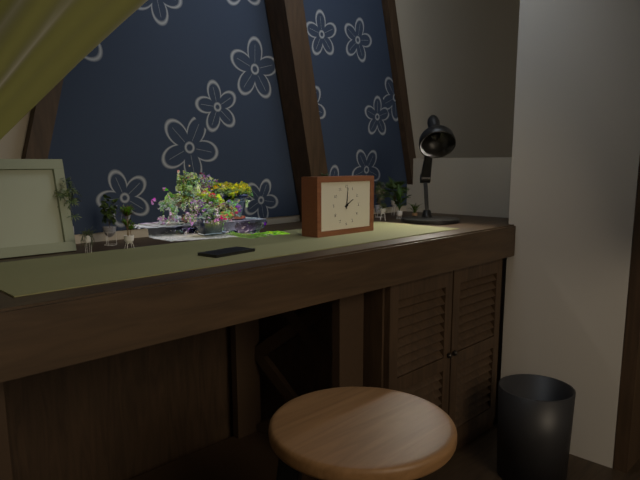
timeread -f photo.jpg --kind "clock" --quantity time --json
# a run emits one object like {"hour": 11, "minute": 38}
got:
{"hour": 2, "minute": 1}
